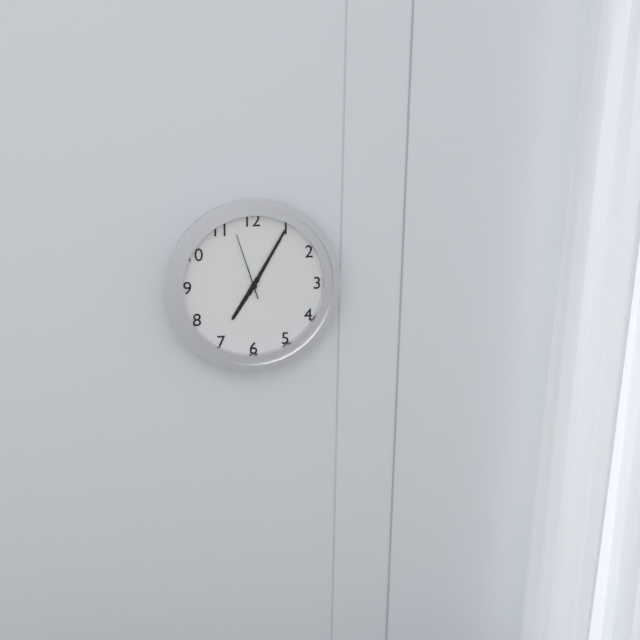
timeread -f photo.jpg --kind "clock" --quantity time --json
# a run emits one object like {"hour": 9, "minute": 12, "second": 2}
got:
{"hour": 7, "minute": 5, "second": 57}
